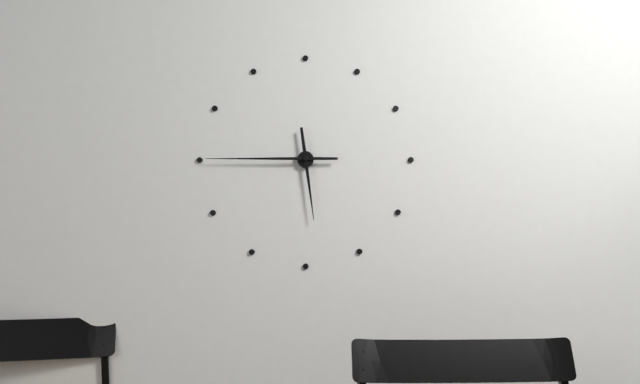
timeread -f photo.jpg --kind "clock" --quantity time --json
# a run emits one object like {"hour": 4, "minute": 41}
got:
{"hour": 5, "minute": 45}
